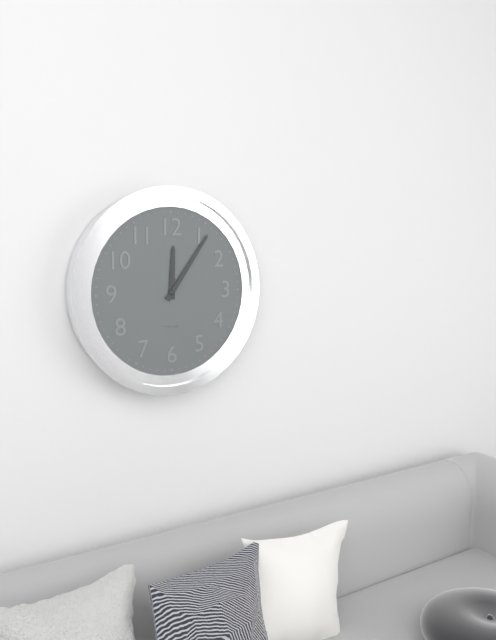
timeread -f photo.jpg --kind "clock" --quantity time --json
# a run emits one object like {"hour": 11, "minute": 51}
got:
{"hour": 12, "minute": 6}
